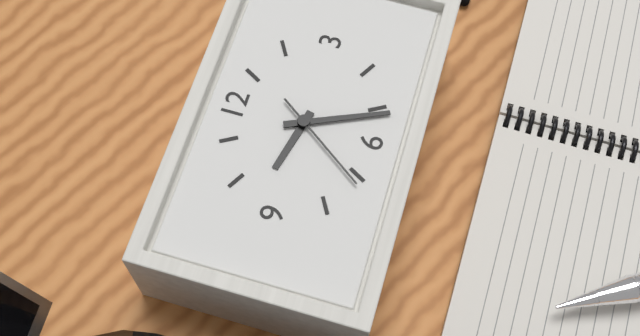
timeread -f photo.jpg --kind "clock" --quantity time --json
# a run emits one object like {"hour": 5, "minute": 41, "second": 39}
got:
{"hour": 9, "minute": 26, "second": 36}
